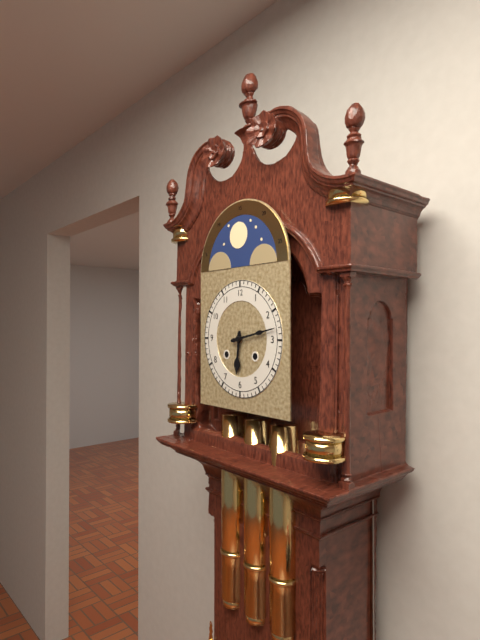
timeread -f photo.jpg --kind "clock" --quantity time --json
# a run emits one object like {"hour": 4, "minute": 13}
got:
{"hour": 6, "minute": 13}
